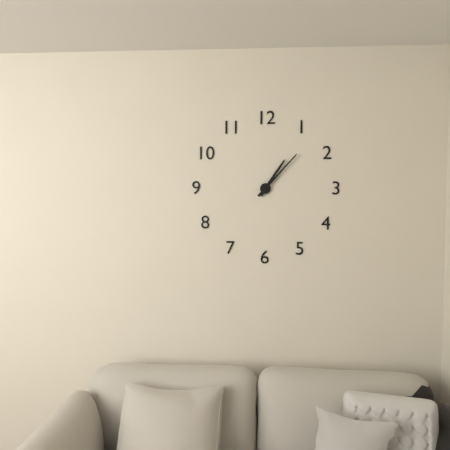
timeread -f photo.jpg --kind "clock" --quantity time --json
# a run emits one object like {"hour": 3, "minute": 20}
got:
{"hour": 1, "minute": 7}
